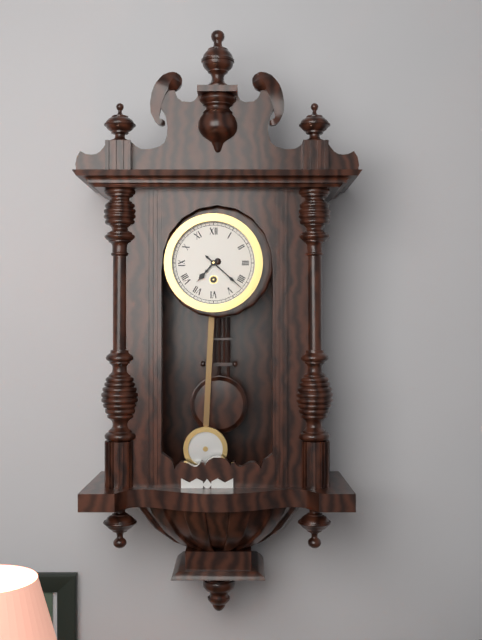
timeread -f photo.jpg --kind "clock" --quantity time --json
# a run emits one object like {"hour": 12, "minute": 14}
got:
{"hour": 7, "minute": 22}
